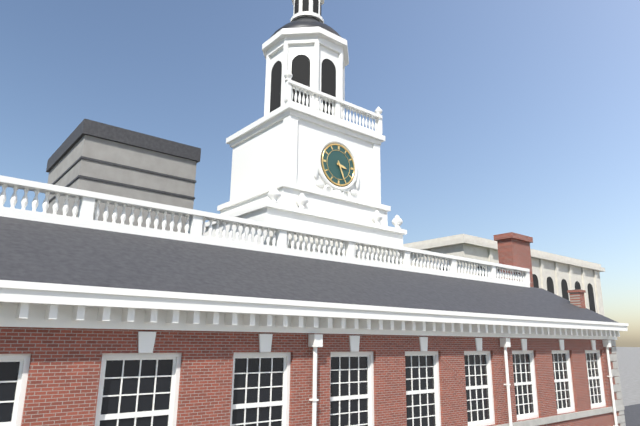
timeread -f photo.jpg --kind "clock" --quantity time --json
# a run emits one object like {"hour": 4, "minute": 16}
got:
{"hour": 3, "minute": 26}
